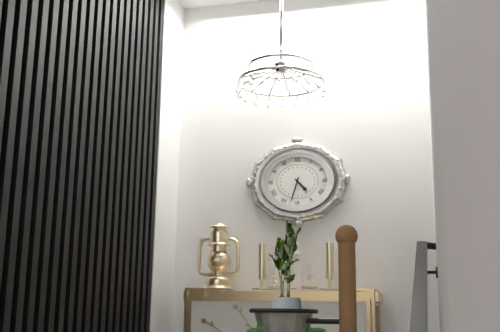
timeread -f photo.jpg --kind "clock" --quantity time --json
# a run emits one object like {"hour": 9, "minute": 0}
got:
{"hour": 4, "minute": 33}
